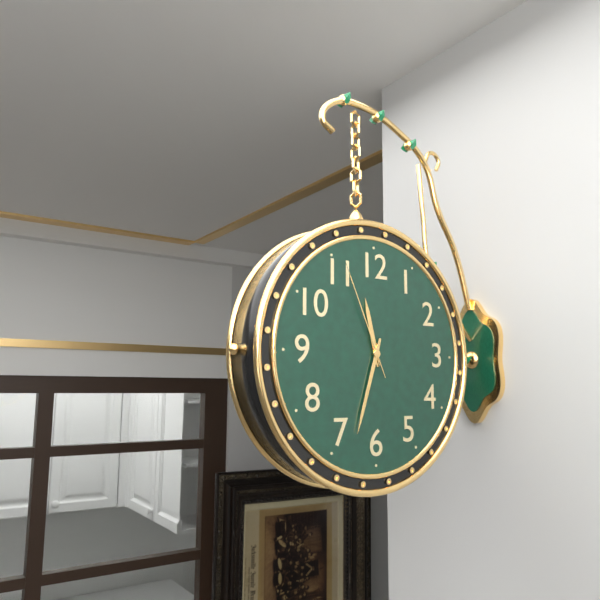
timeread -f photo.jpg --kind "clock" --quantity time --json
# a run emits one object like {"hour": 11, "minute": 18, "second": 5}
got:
{"hour": 11, "minute": 33, "second": 56}
